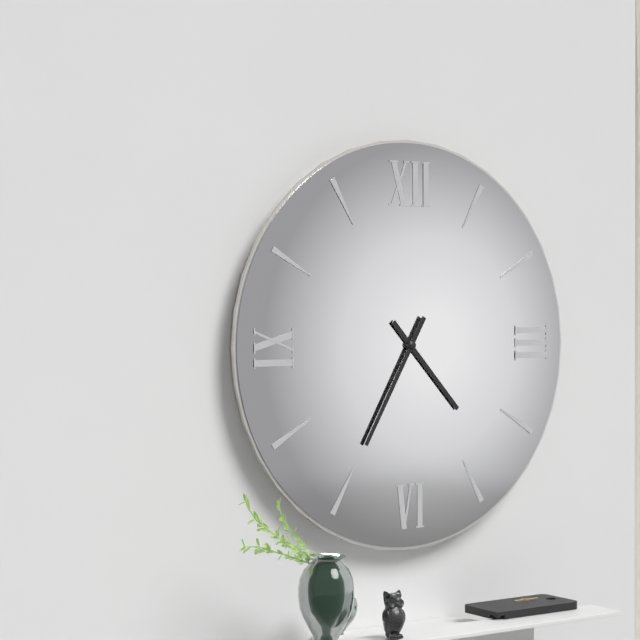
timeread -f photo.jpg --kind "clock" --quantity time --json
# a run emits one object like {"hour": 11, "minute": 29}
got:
{"hour": 4, "minute": 35}
